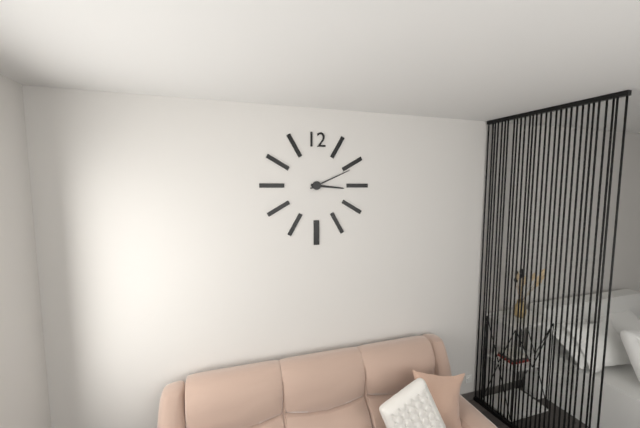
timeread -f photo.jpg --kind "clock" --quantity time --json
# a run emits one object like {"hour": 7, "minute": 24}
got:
{"hour": 3, "minute": 11}
